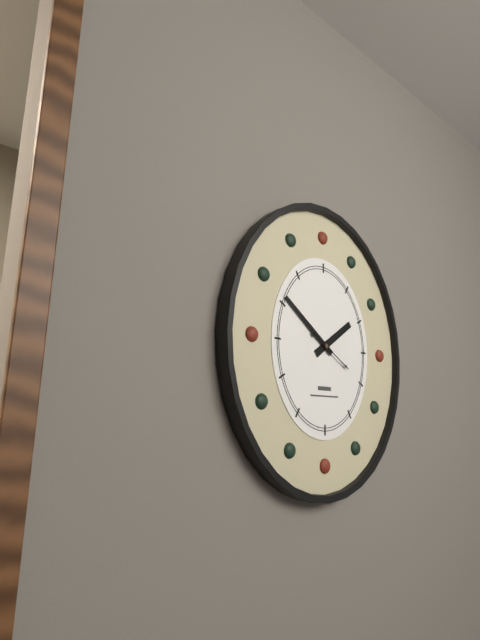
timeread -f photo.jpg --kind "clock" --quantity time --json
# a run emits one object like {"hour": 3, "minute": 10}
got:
{"hour": 1, "minute": 51}
